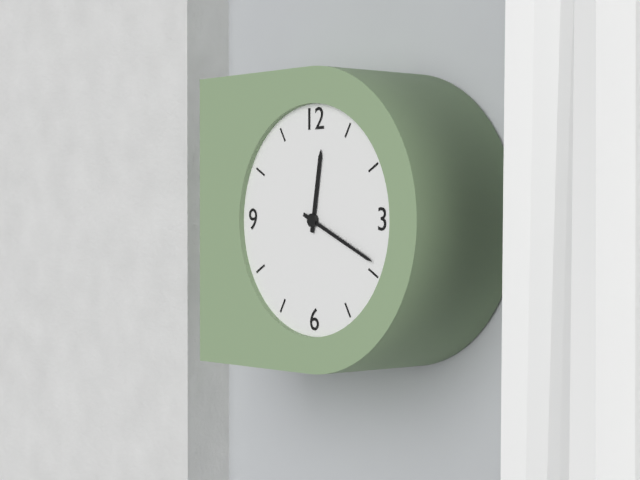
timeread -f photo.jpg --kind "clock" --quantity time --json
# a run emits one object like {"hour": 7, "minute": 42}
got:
{"hour": 12, "minute": 19}
